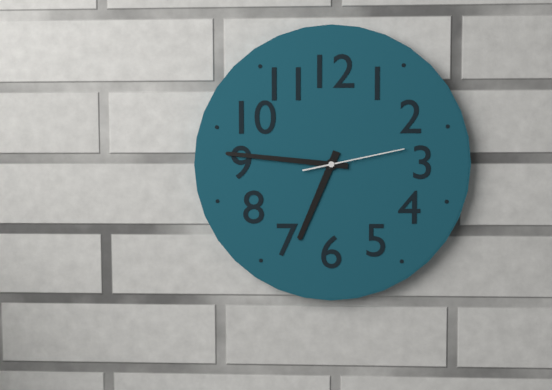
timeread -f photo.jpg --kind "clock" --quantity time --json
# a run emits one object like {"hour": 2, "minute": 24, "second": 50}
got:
{"hour": 6, "minute": 46, "second": 13}
